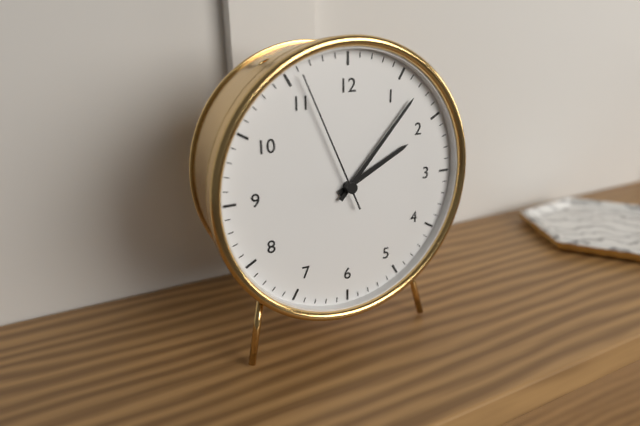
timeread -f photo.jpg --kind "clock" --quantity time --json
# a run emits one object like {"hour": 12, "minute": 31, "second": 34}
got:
{"hour": 2, "minute": 7, "second": 56}
